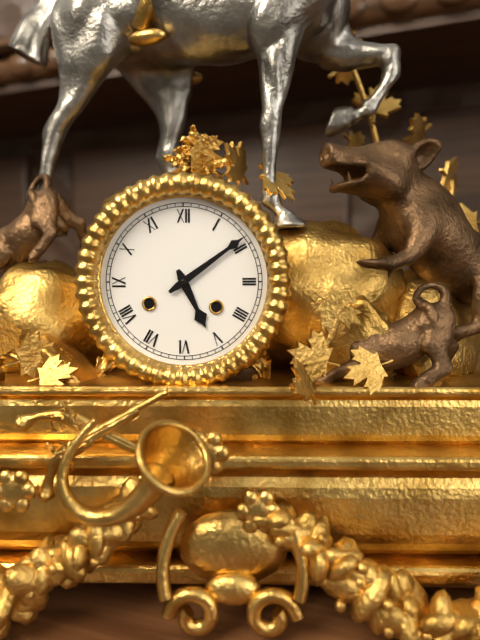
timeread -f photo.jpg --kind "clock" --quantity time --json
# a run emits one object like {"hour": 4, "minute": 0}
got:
{"hour": 5, "minute": 9}
